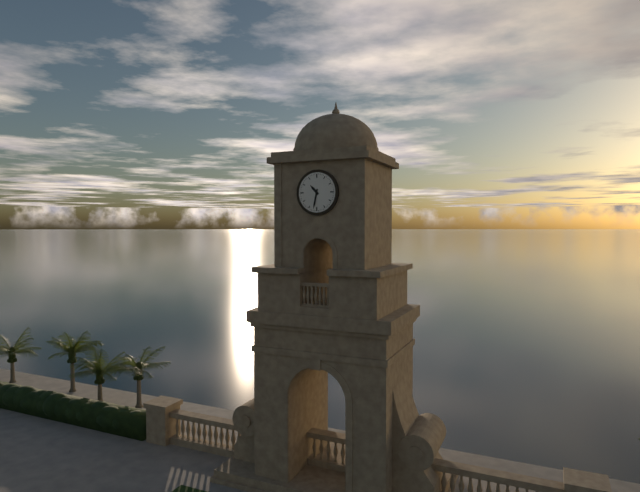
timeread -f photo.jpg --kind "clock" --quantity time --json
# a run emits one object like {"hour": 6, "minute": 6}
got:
{"hour": 10, "minute": 32}
